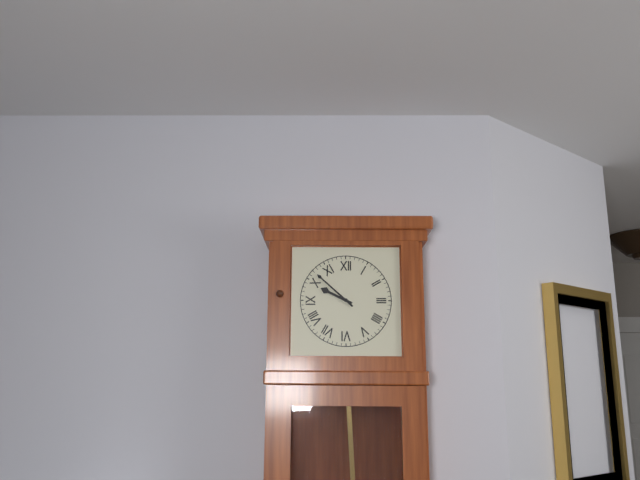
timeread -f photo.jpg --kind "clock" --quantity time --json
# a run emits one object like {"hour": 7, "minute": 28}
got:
{"hour": 9, "minute": 52}
